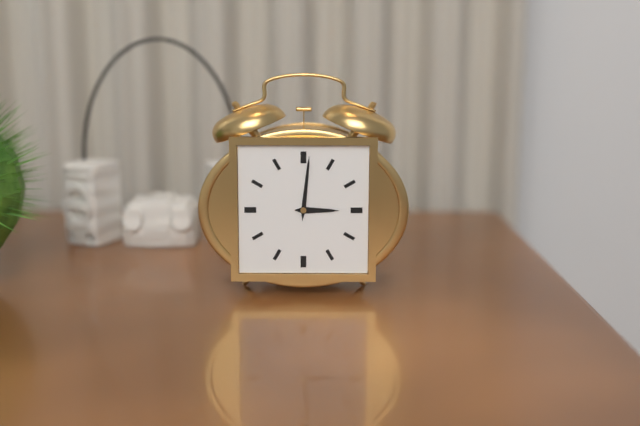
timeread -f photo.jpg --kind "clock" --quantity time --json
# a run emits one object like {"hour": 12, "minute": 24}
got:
{"hour": 3, "minute": 1}
